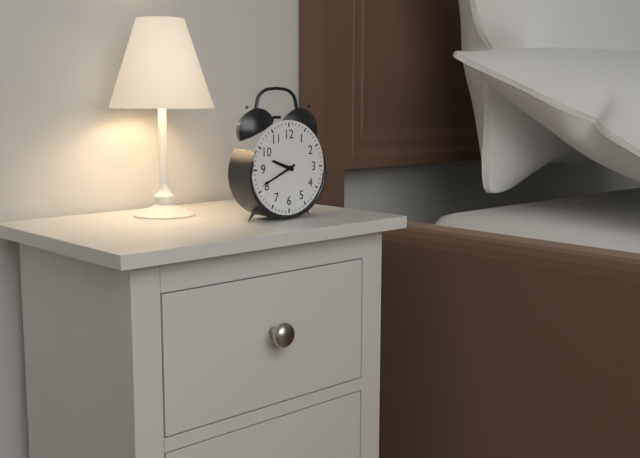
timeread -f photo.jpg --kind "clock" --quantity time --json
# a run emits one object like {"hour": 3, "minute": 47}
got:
{"hour": 9, "minute": 41}
